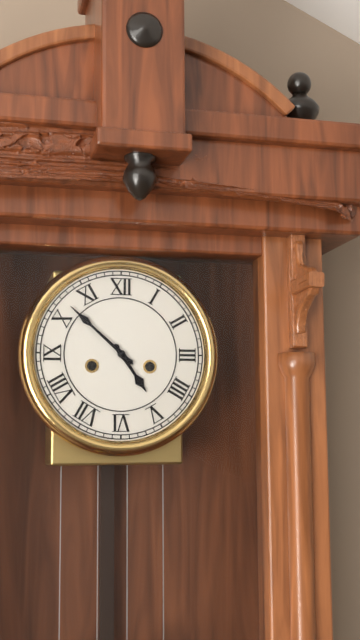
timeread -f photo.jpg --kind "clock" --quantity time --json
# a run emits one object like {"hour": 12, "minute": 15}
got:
{"hour": 4, "minute": 52}
